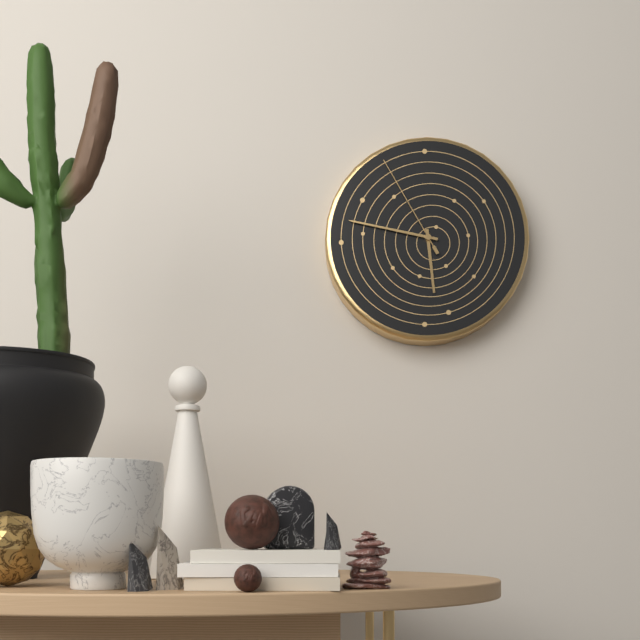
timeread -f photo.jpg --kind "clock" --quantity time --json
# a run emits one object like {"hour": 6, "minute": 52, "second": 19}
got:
{"hour": 5, "minute": 47, "second": 55}
